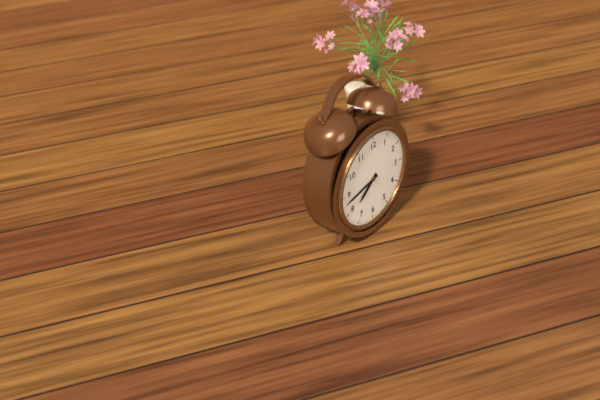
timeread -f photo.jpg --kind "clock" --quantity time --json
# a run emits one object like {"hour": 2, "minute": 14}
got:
{"hour": 7, "minute": 43}
